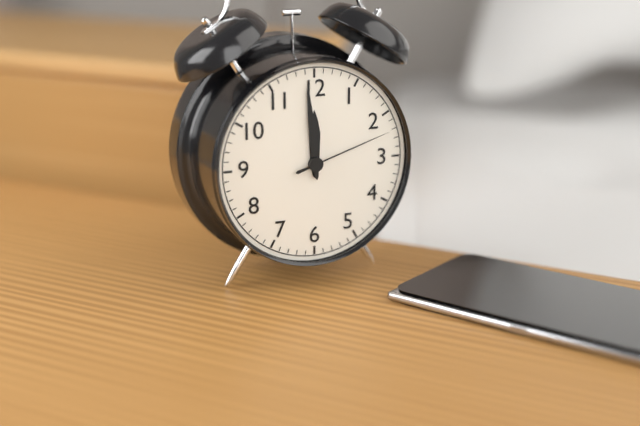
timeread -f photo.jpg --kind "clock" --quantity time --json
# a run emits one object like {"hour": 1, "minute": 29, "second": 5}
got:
{"hour": 11, "minute": 59, "second": 12}
